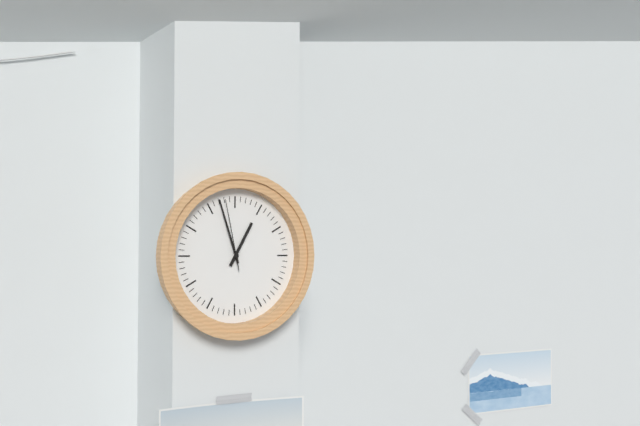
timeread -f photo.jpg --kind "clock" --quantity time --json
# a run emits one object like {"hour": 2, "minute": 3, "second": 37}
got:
{"hour": 12, "minute": 57, "second": 58}
